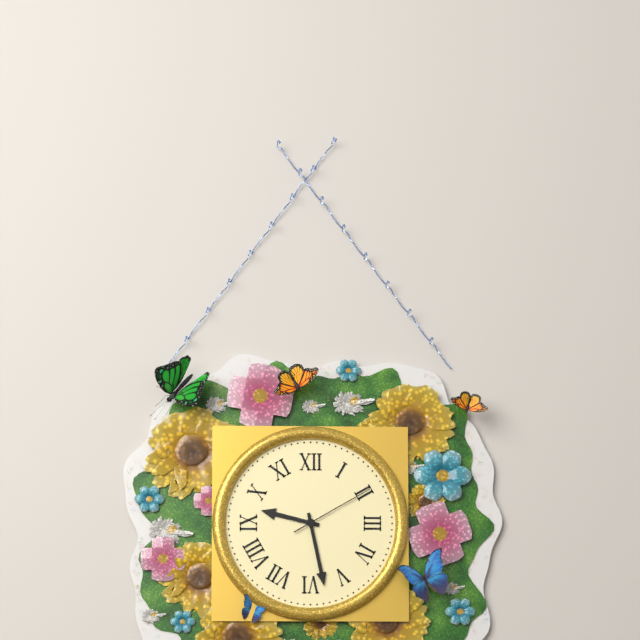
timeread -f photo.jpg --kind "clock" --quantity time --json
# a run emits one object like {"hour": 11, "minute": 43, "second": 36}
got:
{"hour": 9, "minute": 28, "second": 10}
